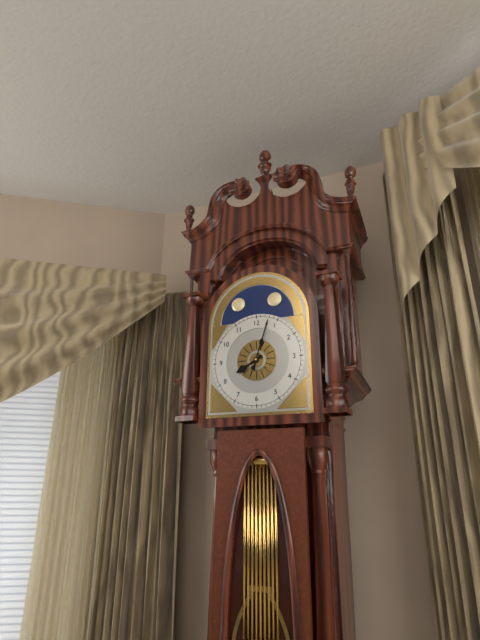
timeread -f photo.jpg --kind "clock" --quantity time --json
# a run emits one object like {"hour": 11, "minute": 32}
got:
{"hour": 8, "minute": 3}
